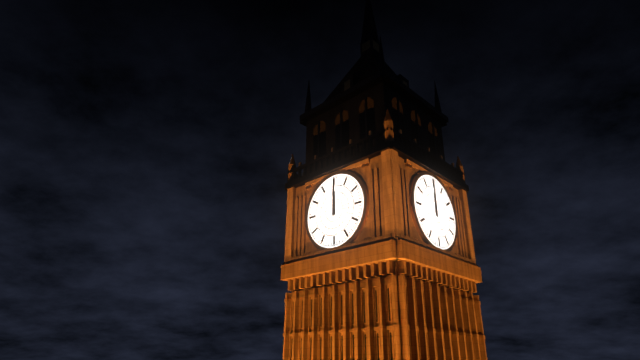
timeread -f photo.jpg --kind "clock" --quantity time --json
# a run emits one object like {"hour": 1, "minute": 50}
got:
{"hour": 12, "minute": 0}
